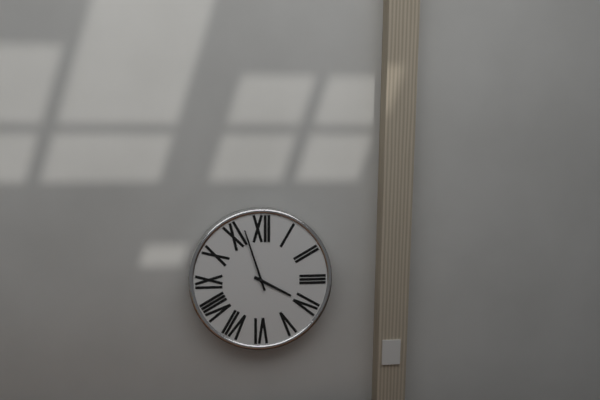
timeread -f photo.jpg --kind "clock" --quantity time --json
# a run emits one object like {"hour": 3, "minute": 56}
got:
{"hour": 3, "minute": 57}
